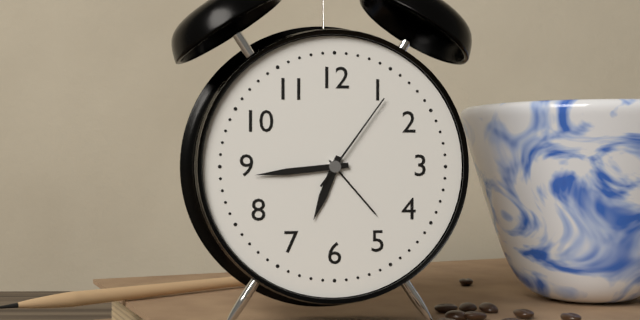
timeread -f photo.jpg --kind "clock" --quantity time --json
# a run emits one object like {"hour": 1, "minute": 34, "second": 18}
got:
{"hour": 6, "minute": 44, "second": 6}
